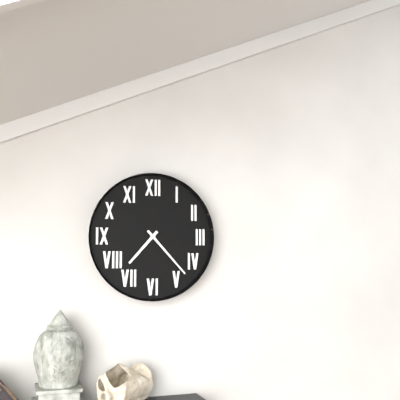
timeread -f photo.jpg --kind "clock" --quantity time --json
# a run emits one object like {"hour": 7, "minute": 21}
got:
{"hour": 7, "minute": 23}
